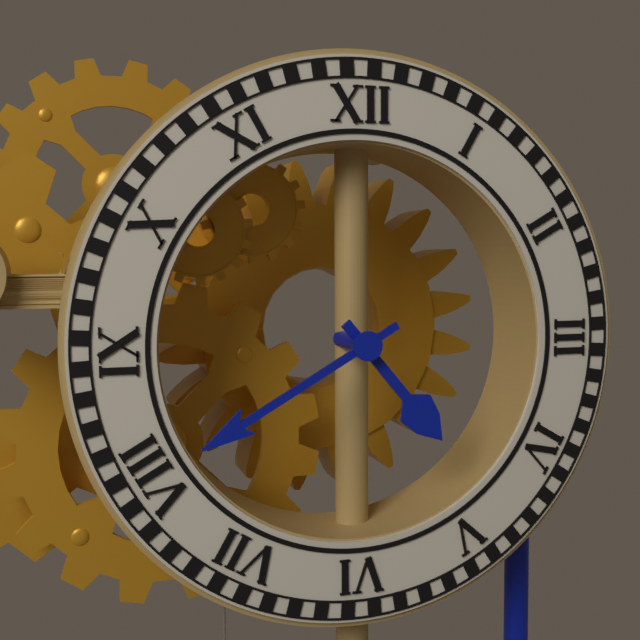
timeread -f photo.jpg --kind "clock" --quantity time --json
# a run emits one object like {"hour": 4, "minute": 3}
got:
{"hour": 4, "minute": 40}
